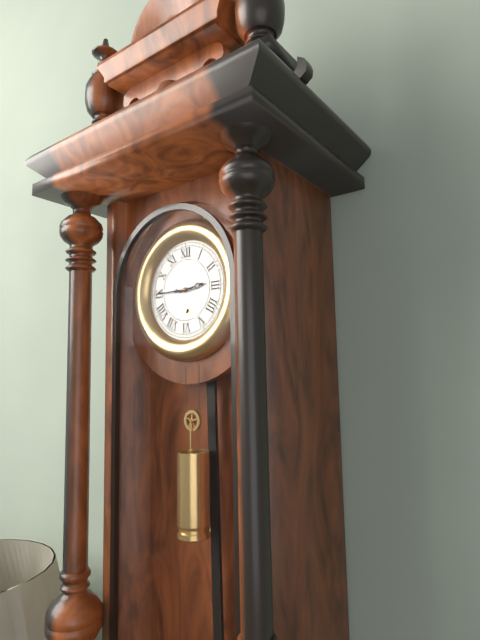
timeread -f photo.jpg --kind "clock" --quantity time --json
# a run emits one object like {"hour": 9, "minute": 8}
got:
{"hour": 2, "minute": 45}
